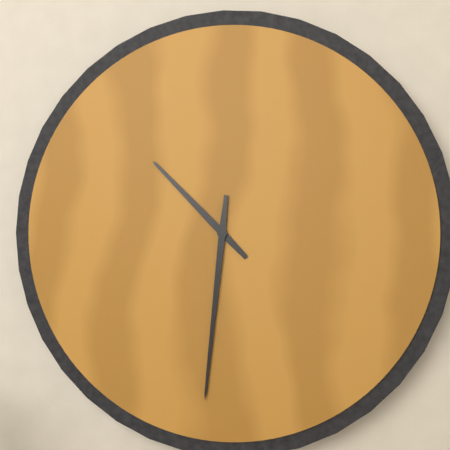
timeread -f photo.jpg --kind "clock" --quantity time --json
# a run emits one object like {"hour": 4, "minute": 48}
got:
{"hour": 10, "minute": 31}
